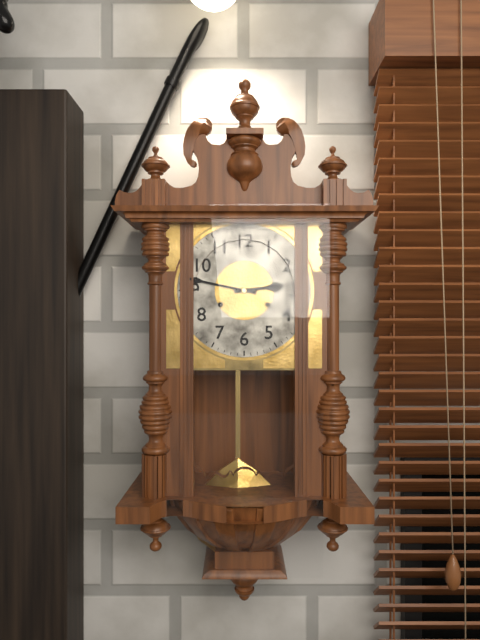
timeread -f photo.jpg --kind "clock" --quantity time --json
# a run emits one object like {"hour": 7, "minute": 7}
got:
{"hour": 2, "minute": 47}
